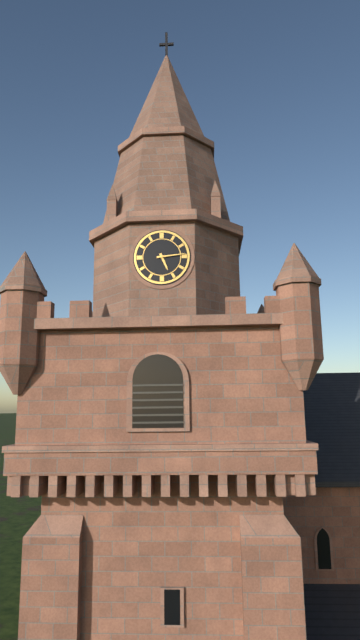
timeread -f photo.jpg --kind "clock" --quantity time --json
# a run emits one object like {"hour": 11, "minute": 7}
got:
{"hour": 5, "minute": 14}
